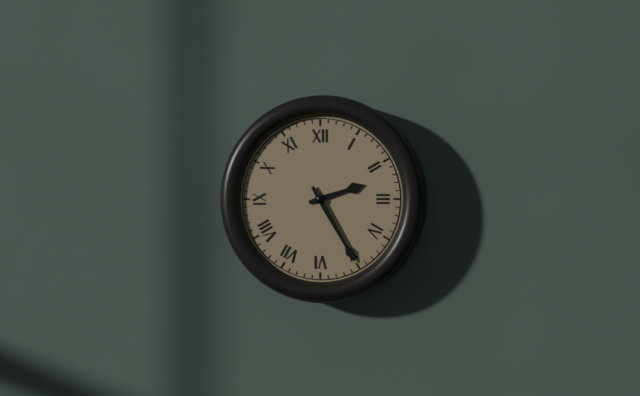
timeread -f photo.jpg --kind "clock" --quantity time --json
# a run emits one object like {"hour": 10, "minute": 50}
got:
{"hour": 2, "minute": 25}
